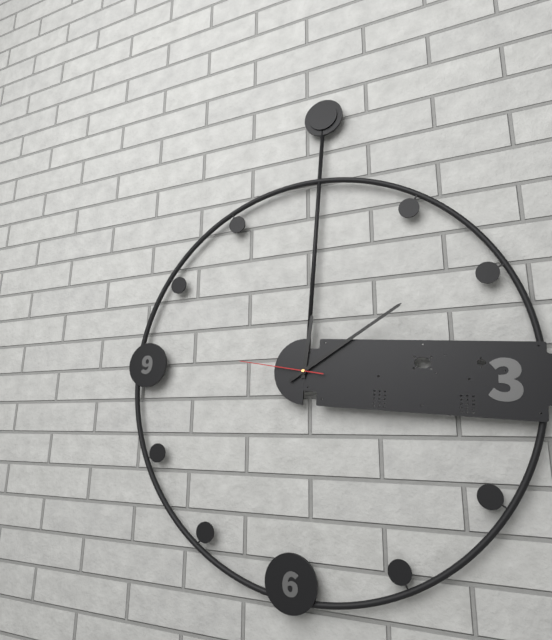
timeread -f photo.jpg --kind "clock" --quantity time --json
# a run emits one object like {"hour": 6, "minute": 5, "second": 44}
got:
{"hour": 12, "minute": 9, "second": 46}
